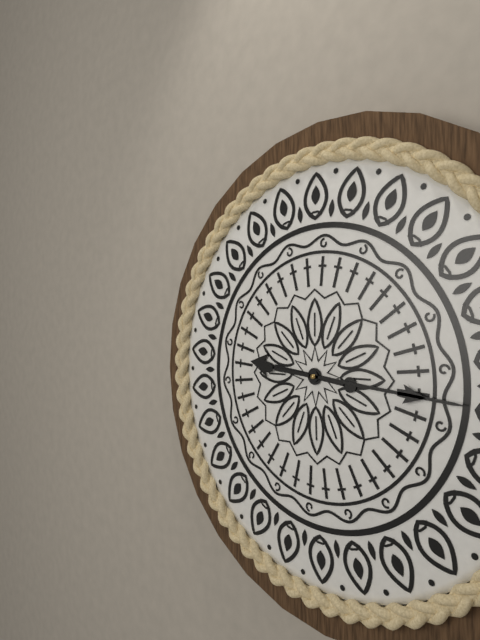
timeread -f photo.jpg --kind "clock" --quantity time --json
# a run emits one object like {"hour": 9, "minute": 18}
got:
{"hour": 9, "minute": 16}
